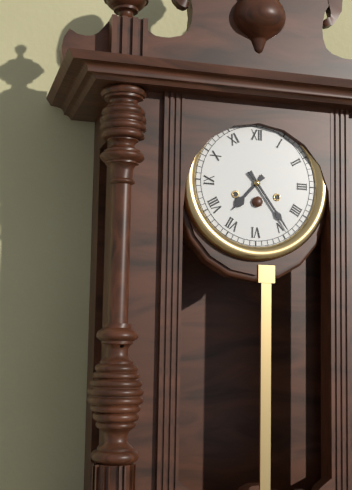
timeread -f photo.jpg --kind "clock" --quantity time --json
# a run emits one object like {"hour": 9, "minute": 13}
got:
{"hour": 7, "minute": 24}
